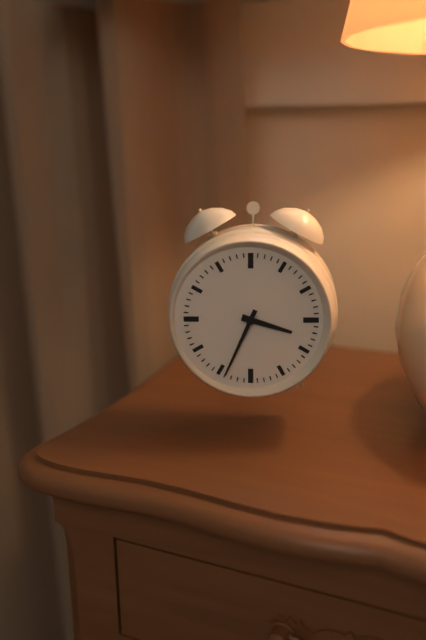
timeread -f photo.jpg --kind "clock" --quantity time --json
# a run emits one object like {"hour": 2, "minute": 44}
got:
{"hour": 3, "minute": 34}
